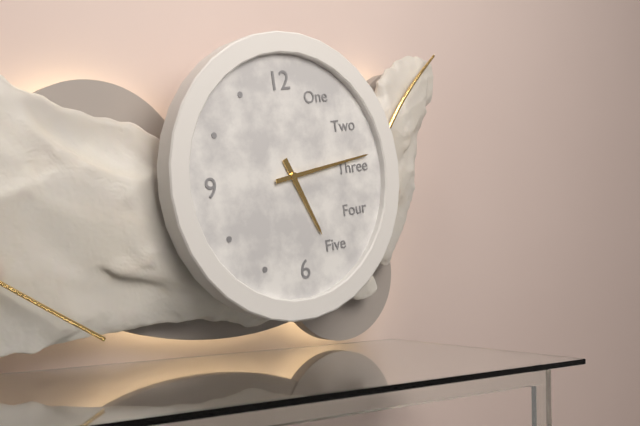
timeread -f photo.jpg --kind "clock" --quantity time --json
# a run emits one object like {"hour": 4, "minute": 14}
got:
{"hour": 5, "minute": 14}
